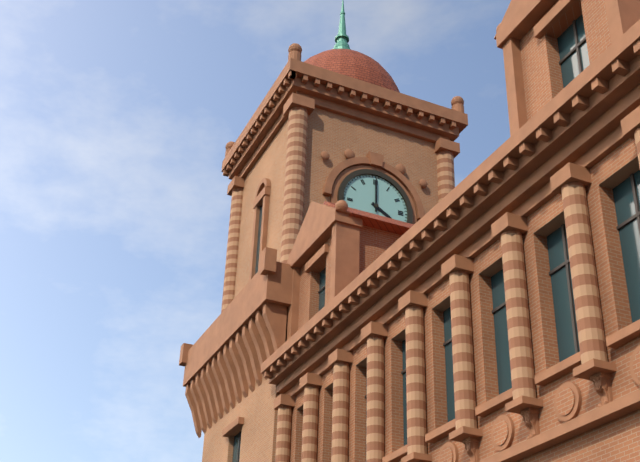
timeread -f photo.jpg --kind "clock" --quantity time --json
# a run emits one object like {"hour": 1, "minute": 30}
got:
{"hour": 4, "minute": 0}
